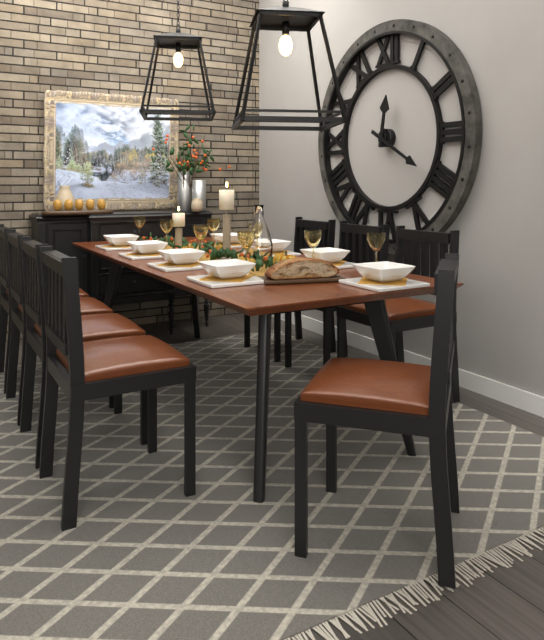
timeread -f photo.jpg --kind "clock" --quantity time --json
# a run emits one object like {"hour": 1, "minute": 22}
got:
{"hour": 12, "minute": 20}
